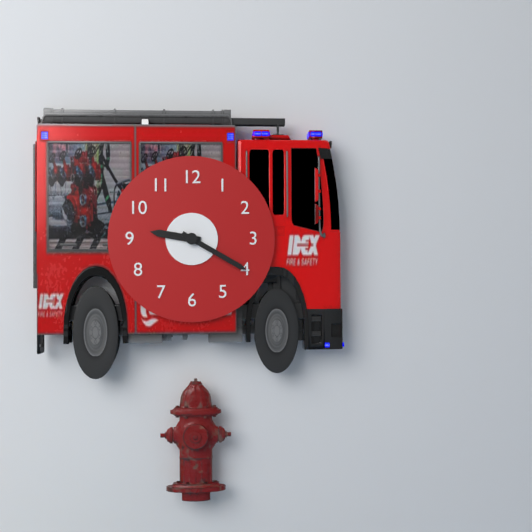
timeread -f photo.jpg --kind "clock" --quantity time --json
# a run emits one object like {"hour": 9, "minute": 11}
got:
{"hour": 9, "minute": 20}
